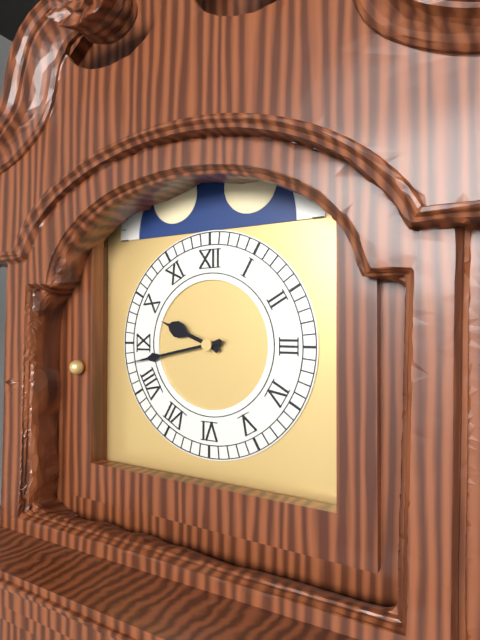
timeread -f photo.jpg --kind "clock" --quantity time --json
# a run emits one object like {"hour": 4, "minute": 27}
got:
{"hour": 9, "minute": 43}
